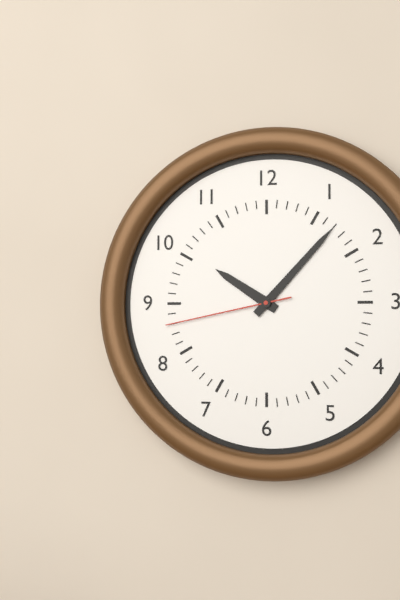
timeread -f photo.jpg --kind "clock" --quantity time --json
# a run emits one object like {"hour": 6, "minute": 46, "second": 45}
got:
{"hour": 10, "minute": 7, "second": 43}
